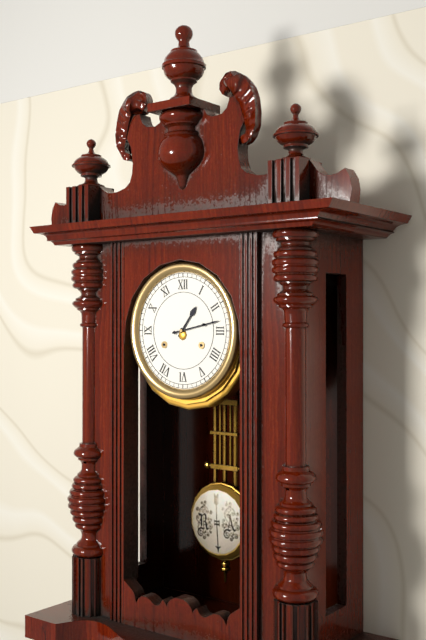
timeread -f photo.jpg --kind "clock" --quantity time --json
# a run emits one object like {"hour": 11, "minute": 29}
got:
{"hour": 1, "minute": 13}
